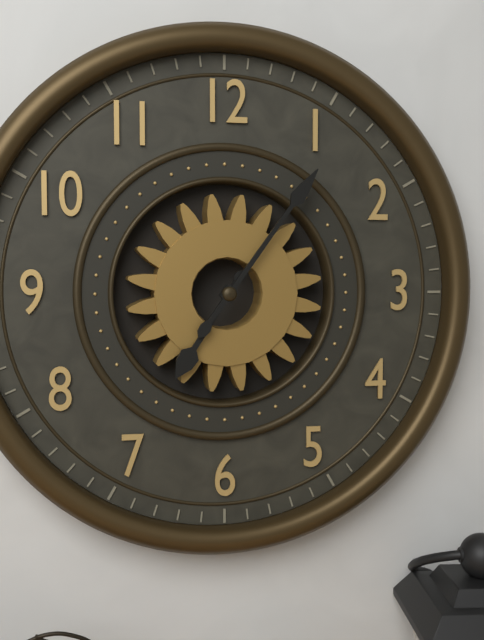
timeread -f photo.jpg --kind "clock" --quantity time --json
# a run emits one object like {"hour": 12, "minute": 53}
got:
{"hour": 7, "minute": 6}
